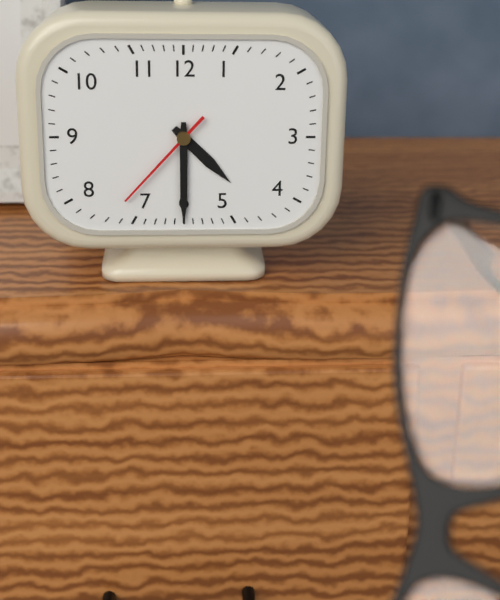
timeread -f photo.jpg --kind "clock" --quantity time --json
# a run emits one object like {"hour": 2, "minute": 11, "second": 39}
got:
{"hour": 4, "minute": 30, "second": 37}
